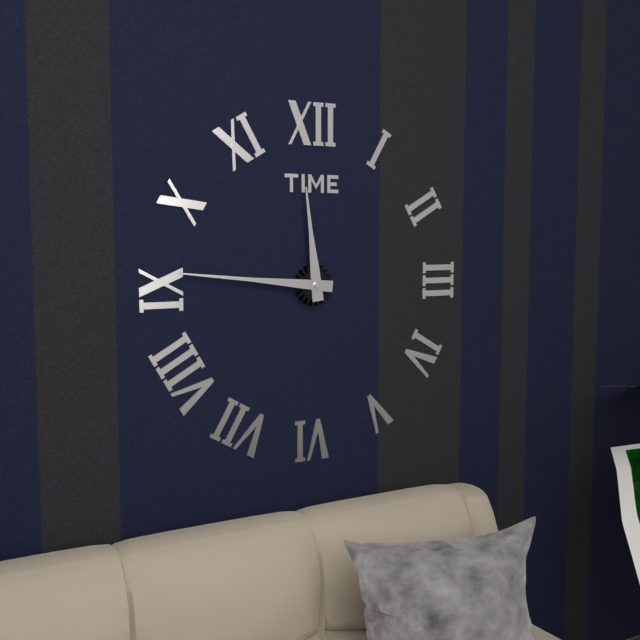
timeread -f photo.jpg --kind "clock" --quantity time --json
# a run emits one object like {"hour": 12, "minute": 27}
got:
{"hour": 11, "minute": 46}
